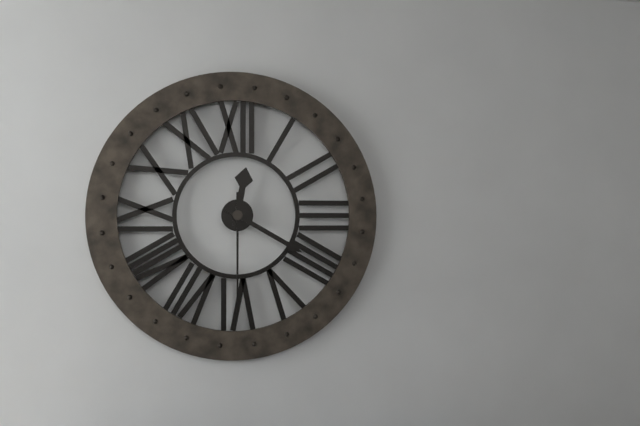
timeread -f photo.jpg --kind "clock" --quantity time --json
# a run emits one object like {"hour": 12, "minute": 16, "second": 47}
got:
{"hour": 12, "minute": 20, "second": 30}
